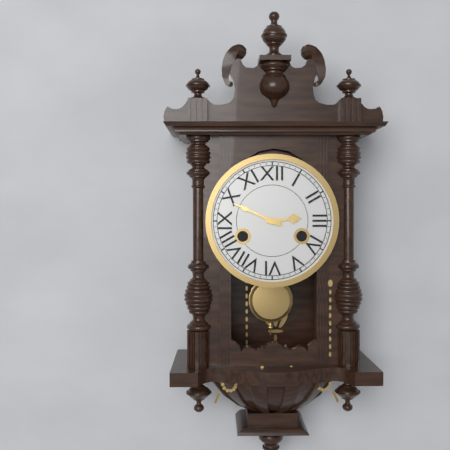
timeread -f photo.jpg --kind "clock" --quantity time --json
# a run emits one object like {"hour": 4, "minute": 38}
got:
{"hour": 2, "minute": 49}
